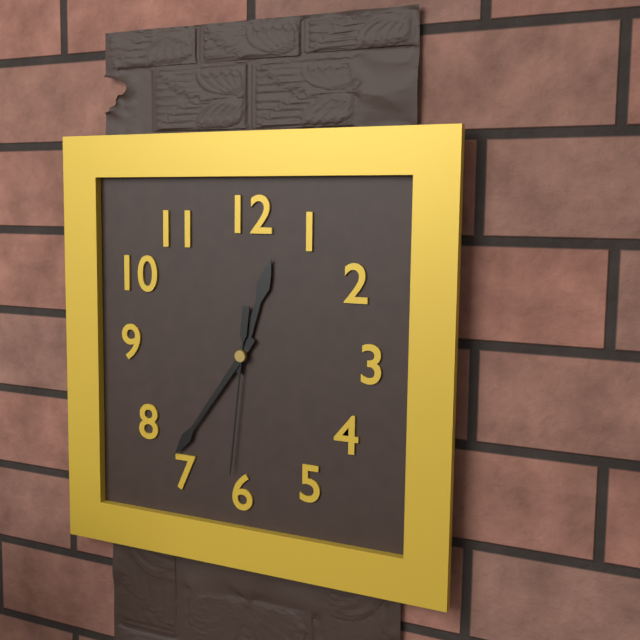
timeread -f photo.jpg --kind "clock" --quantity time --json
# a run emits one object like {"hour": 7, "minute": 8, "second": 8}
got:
{"hour": 12, "minute": 36, "second": 31}
